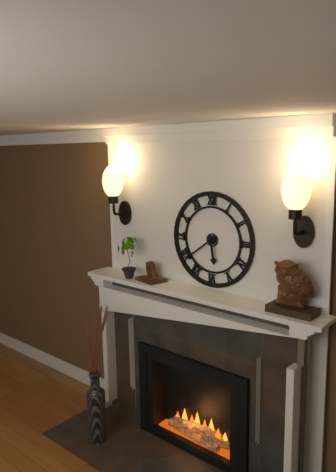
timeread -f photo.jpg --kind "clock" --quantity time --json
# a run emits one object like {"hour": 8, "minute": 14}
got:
{"hour": 5, "minute": 39}
